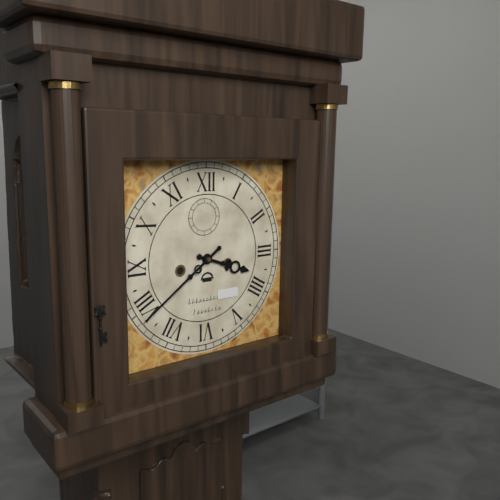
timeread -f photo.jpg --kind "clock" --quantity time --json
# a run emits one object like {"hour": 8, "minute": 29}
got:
{"hour": 3, "minute": 39}
